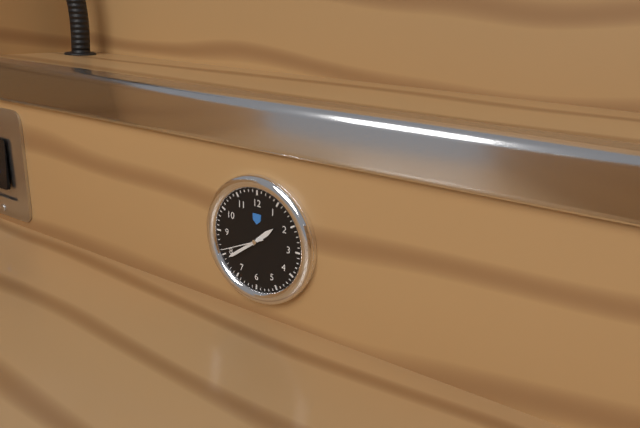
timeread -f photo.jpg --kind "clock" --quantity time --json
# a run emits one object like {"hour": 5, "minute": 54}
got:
{"hour": 1, "minute": 39}
